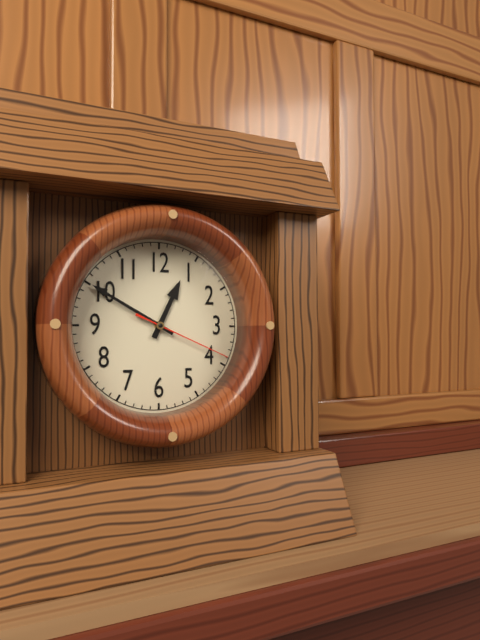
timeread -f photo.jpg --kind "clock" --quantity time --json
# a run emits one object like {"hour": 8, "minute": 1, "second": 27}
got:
{"hour": 12, "minute": 50, "second": 19}
